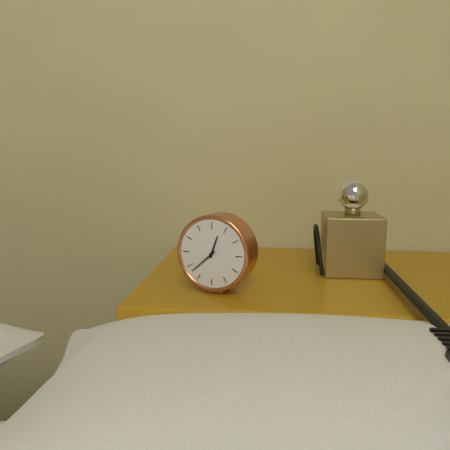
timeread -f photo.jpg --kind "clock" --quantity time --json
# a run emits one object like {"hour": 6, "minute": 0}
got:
{"hour": 12, "minute": 38}
